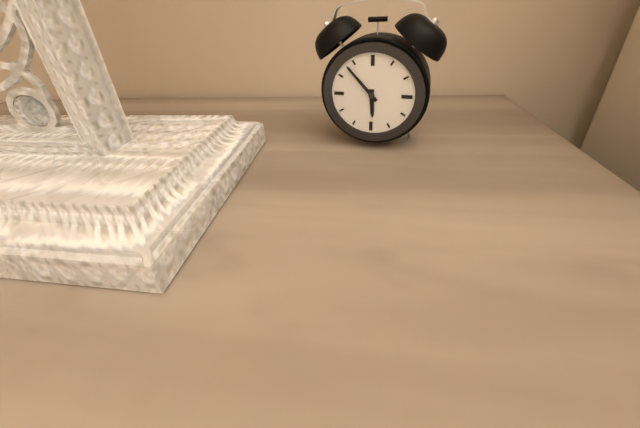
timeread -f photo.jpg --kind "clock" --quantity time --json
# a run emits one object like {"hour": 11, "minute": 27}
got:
{"hour": 5, "minute": 53}
